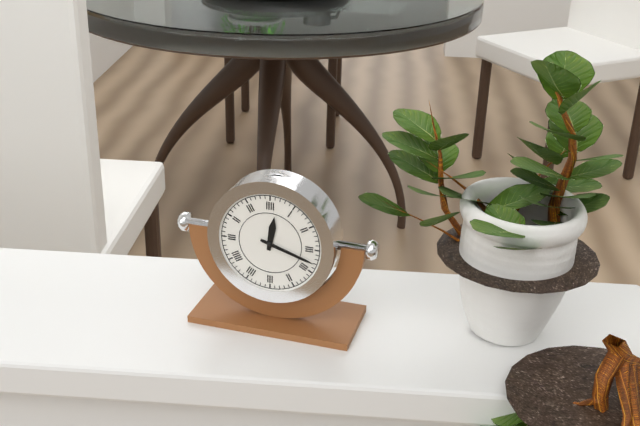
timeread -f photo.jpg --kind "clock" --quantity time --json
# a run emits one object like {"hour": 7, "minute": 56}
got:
{"hour": 12, "minute": 18}
